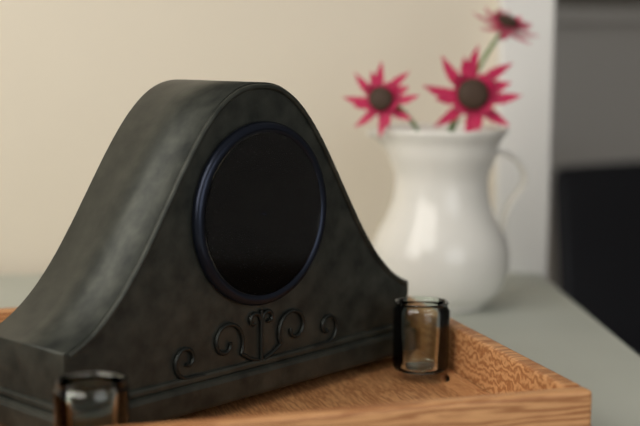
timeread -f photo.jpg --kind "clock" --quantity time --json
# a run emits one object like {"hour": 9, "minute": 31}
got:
{"hour": 1, "minute": 56}
